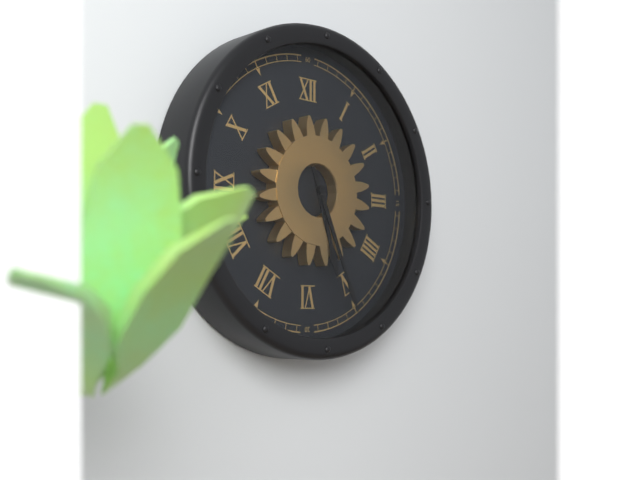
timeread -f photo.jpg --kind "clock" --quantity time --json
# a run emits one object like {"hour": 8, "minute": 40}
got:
{"hour": 5, "minute": 26}
